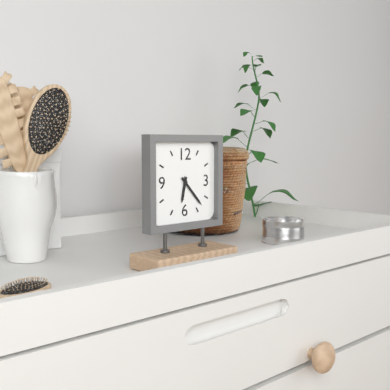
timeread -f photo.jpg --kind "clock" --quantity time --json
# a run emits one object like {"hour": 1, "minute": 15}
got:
{"hour": 6, "minute": 23}
